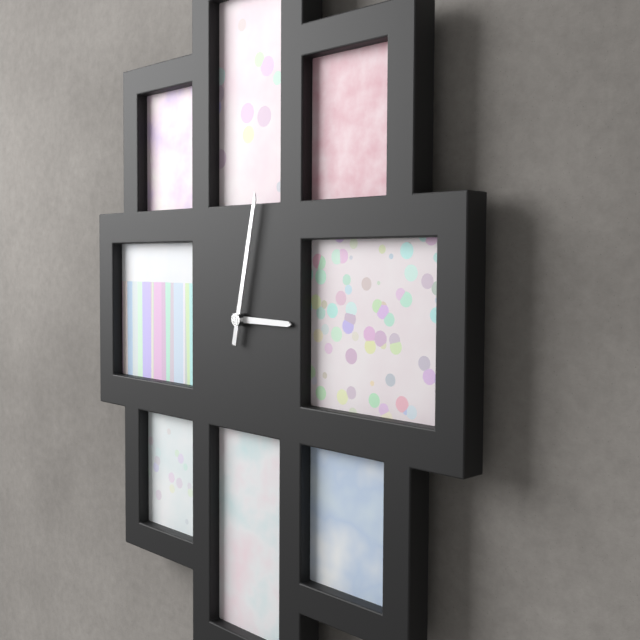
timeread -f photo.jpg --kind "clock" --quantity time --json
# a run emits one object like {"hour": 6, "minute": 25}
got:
{"hour": 3, "minute": 2}
